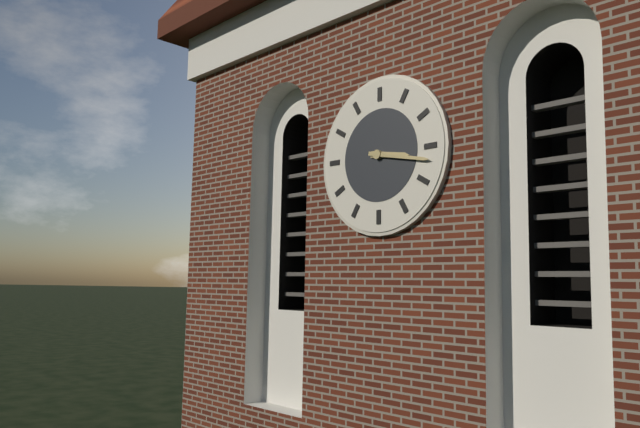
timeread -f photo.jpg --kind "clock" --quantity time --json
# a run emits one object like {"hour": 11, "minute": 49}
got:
{"hour": 3, "minute": 17}
